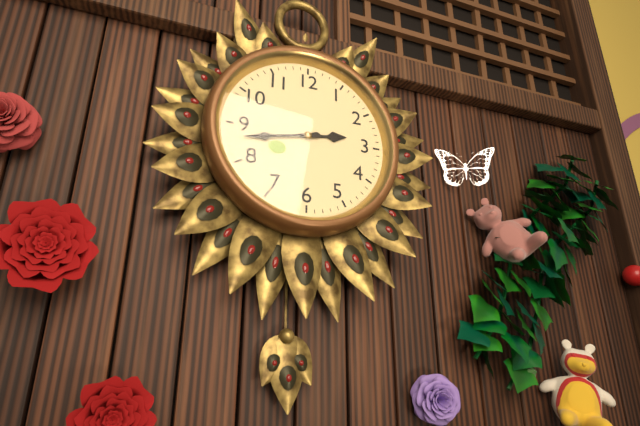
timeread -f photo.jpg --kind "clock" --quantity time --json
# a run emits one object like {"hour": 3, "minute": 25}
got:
{"hour": 2, "minute": 43}
